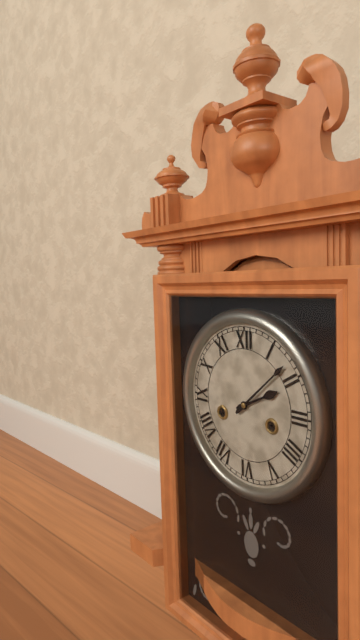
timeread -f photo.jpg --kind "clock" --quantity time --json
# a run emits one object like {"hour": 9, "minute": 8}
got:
{"hour": 2, "minute": 8}
